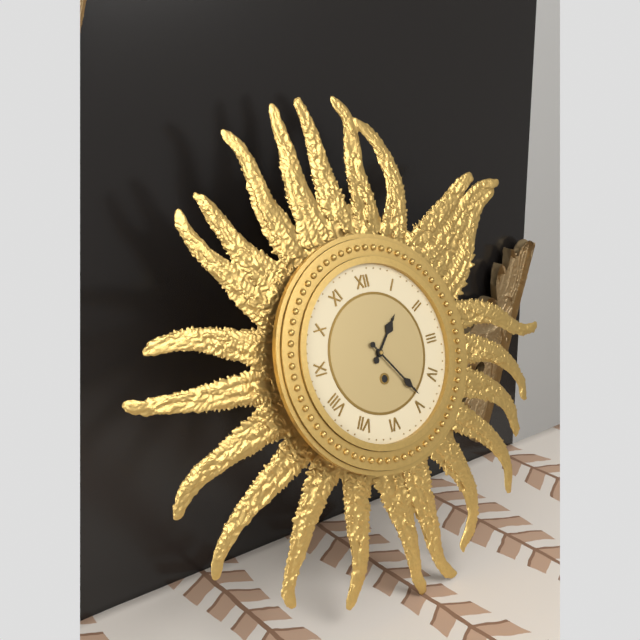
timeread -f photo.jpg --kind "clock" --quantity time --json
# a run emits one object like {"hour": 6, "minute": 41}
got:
{"hour": 1, "minute": 24}
